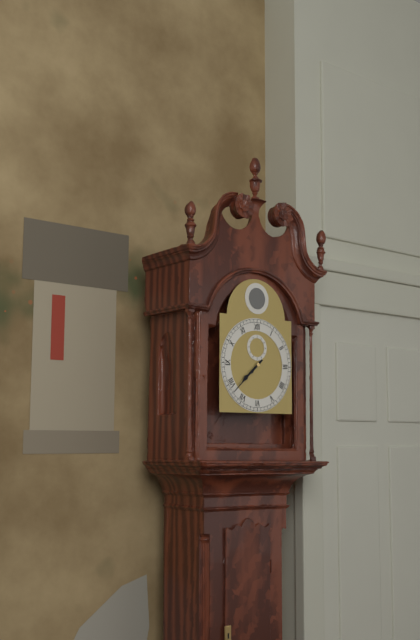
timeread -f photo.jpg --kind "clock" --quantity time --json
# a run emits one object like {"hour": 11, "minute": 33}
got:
{"hour": 7, "minute": 38}
